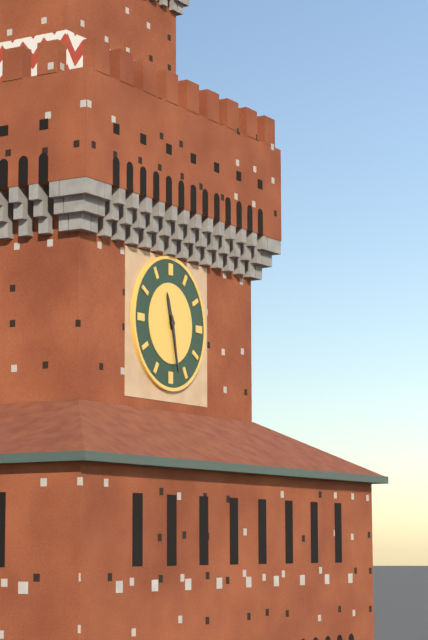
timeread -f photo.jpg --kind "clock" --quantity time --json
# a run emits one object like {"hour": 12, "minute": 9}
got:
{"hour": 11, "minute": 28}
